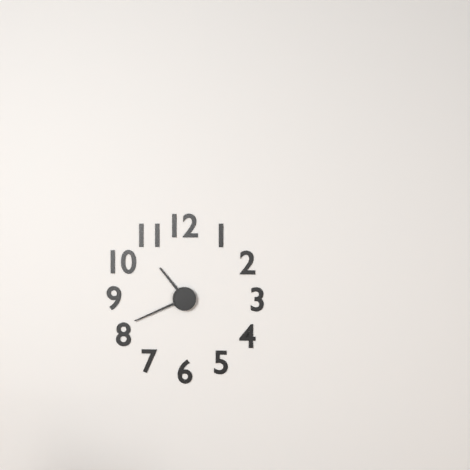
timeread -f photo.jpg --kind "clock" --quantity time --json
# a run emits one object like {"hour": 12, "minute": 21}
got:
{"hour": 10, "minute": 41}
